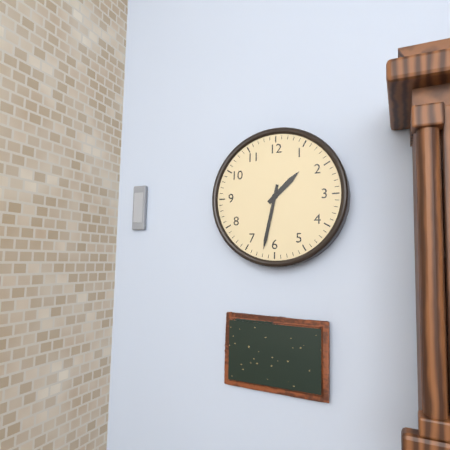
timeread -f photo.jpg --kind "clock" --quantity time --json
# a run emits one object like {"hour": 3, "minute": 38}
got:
{"hour": 1, "minute": 32}
